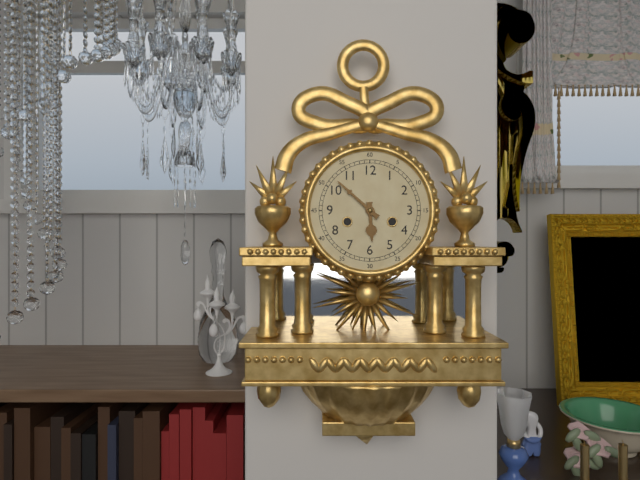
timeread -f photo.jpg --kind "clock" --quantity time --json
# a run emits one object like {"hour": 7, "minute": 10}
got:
{"hour": 5, "minute": 52}
